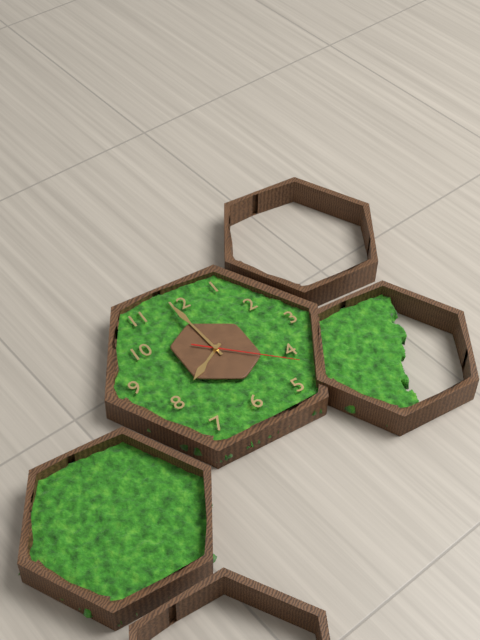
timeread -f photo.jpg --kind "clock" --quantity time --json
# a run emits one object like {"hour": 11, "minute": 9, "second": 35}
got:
{"hour": 7, "minute": 59, "second": 22}
